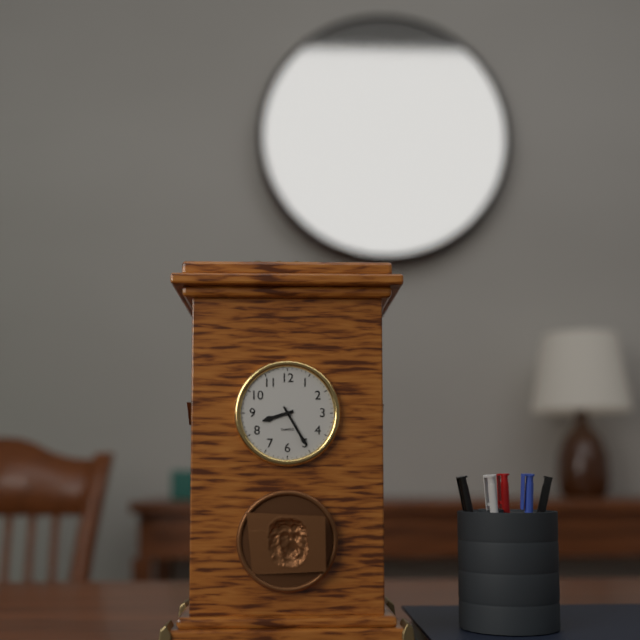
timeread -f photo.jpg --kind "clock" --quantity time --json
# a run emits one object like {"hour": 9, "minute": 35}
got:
{"hour": 8, "minute": 25}
